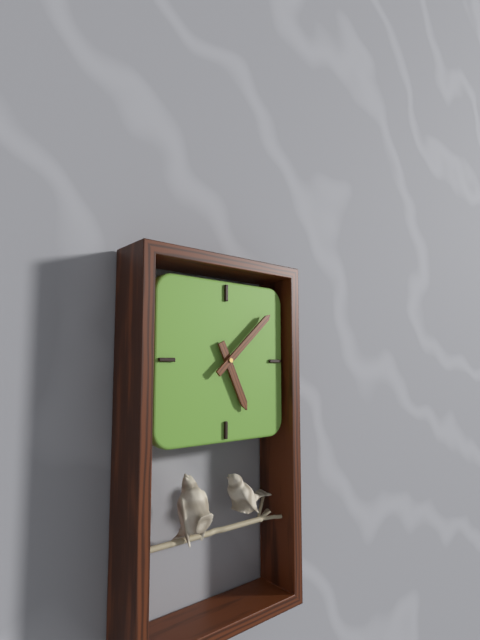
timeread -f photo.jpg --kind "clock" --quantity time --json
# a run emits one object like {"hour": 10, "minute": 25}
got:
{"hour": 5, "minute": 8}
